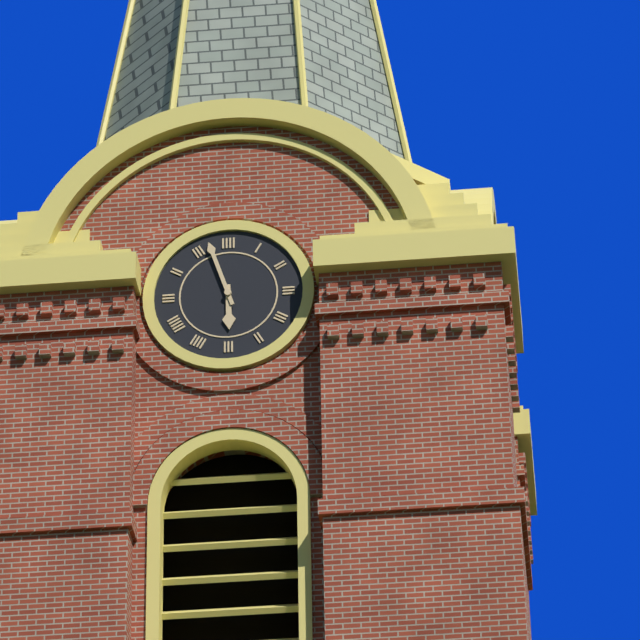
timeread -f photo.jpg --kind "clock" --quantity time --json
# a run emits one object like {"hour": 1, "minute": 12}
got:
{"hour": 5, "minute": 57}
